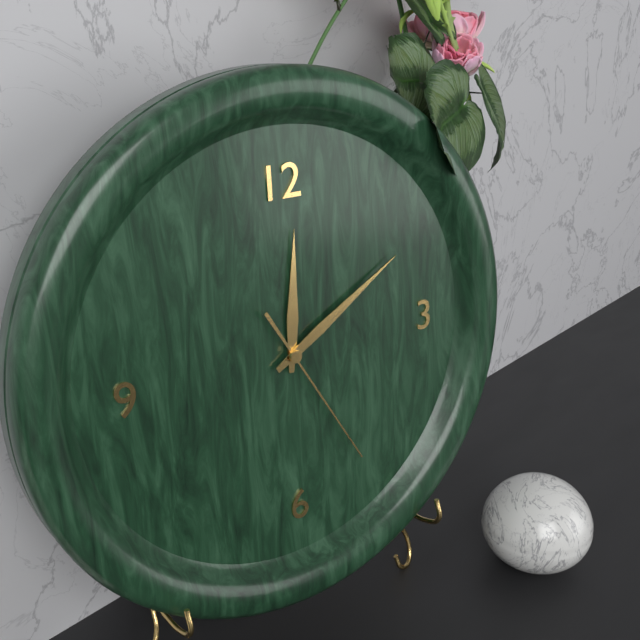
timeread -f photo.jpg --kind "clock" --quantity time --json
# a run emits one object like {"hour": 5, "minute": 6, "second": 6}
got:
{"hour": 12, "minute": 10, "second": 25}
